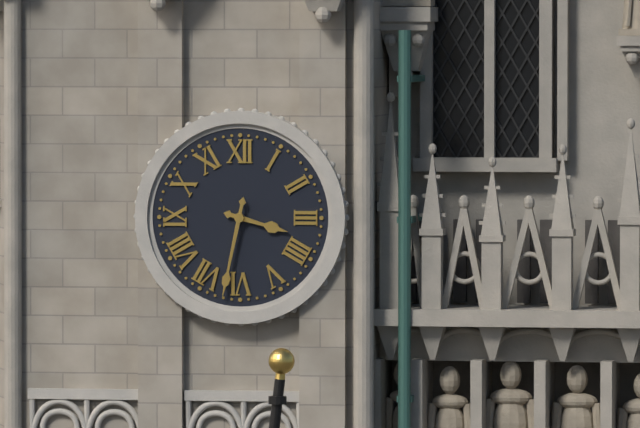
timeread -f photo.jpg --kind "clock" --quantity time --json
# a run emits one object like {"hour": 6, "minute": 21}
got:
{"hour": 3, "minute": 32}
